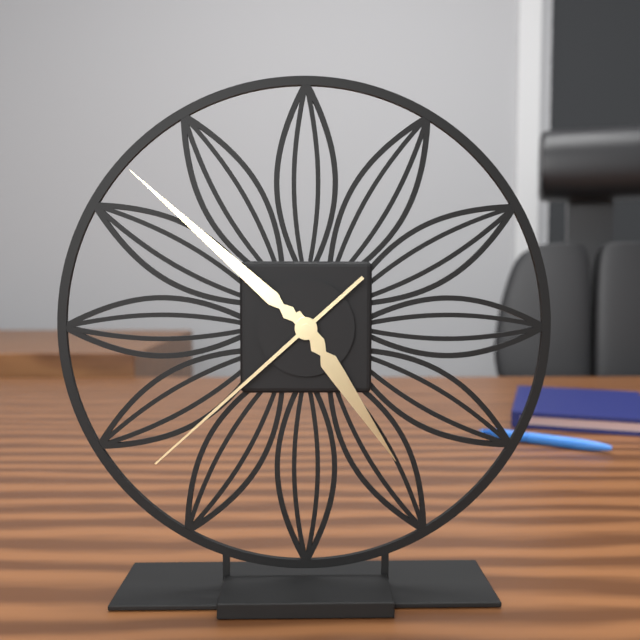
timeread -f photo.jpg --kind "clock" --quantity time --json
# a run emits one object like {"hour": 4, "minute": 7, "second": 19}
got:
{"hour": 4, "minute": 52, "second": 38}
